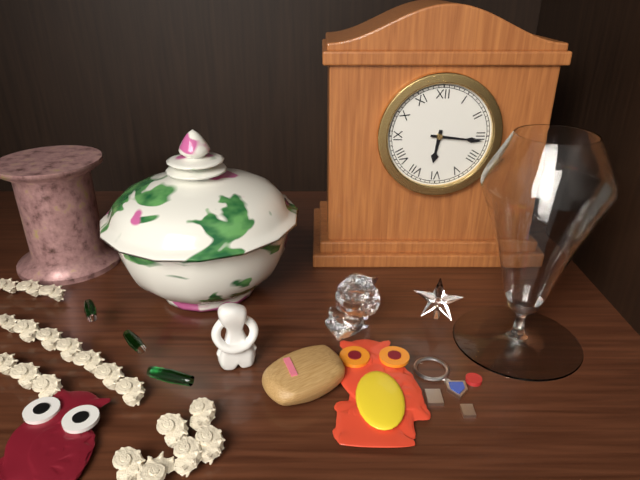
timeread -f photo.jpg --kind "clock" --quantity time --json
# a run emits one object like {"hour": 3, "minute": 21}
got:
{"hour": 6, "minute": 16}
